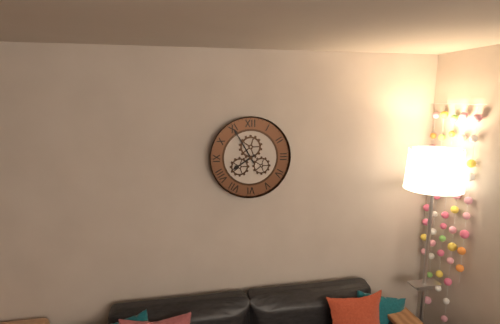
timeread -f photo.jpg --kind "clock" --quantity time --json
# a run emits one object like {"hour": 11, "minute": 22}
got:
{"hour": 7, "minute": 55}
